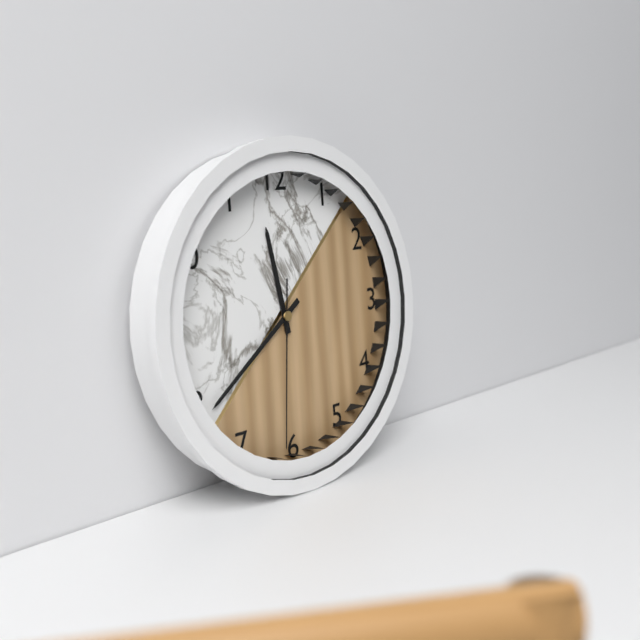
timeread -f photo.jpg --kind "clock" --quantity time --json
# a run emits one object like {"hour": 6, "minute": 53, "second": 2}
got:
{"hour": 11, "minute": 39, "second": 31}
